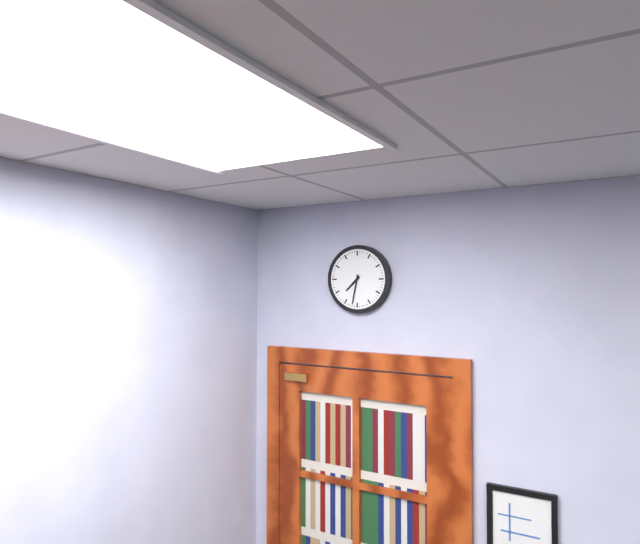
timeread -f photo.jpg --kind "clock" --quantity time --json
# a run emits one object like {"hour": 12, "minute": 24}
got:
{"hour": 7, "minute": 32}
